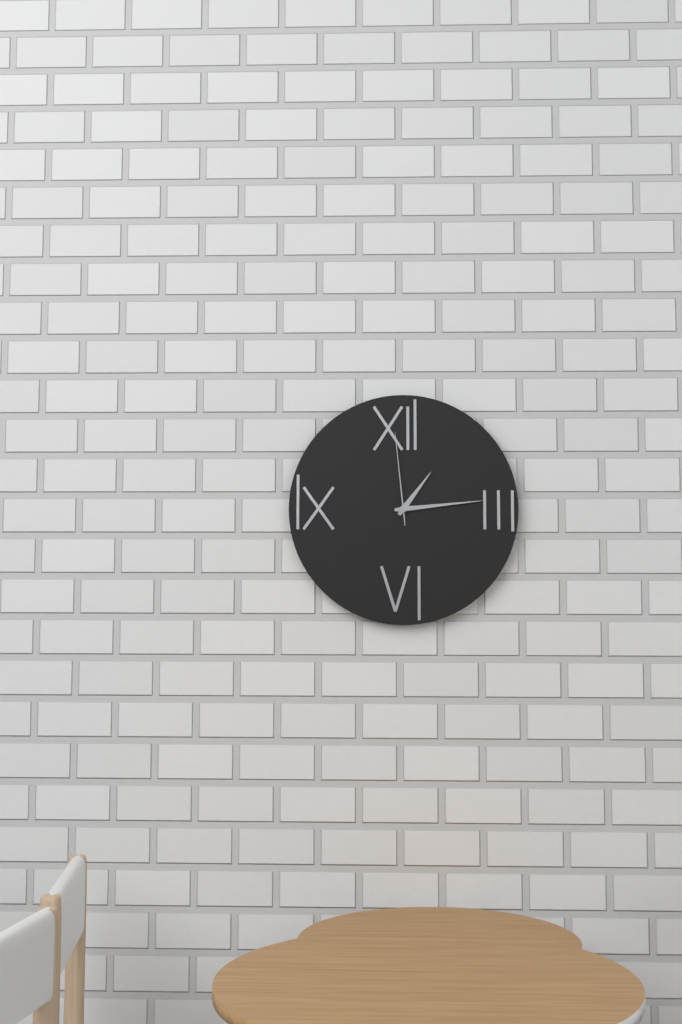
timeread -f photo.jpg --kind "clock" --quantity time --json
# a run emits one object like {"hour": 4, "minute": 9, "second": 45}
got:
{"hour": 1, "minute": 14, "second": 59}
